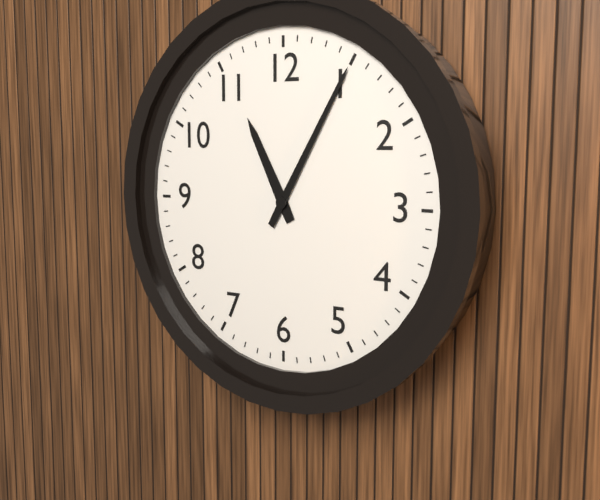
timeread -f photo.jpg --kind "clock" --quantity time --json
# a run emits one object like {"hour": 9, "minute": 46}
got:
{"hour": 11, "minute": 5}
